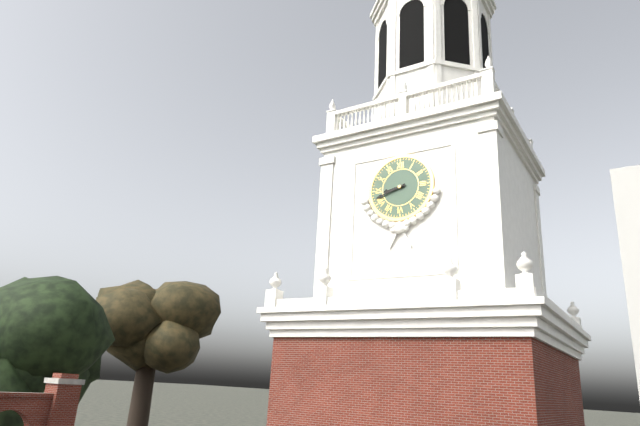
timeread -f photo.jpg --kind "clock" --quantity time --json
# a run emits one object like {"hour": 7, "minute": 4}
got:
{"hour": 8, "minute": 42}
